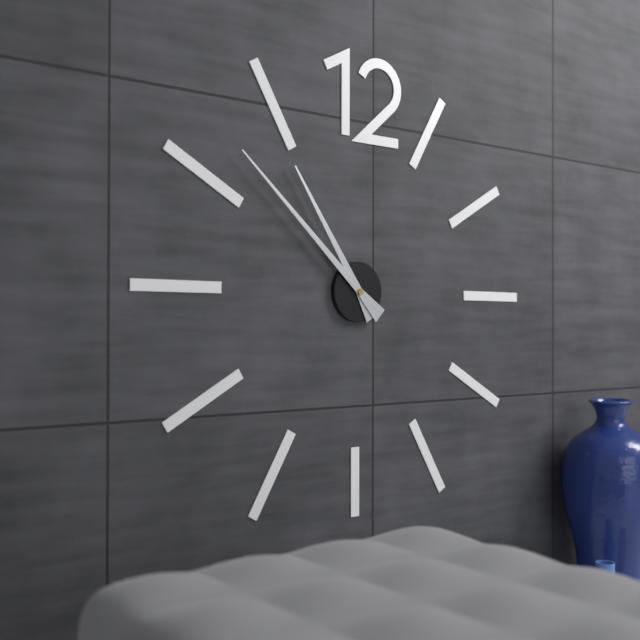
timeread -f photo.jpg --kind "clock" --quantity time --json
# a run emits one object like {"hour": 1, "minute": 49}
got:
{"hour": 10, "minute": 52}
